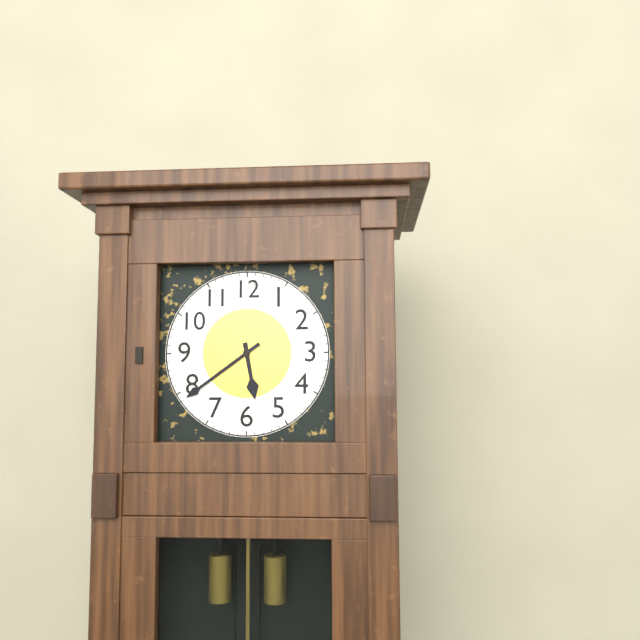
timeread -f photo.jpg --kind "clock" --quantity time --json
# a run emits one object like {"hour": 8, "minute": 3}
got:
{"hour": 5, "minute": 39}
